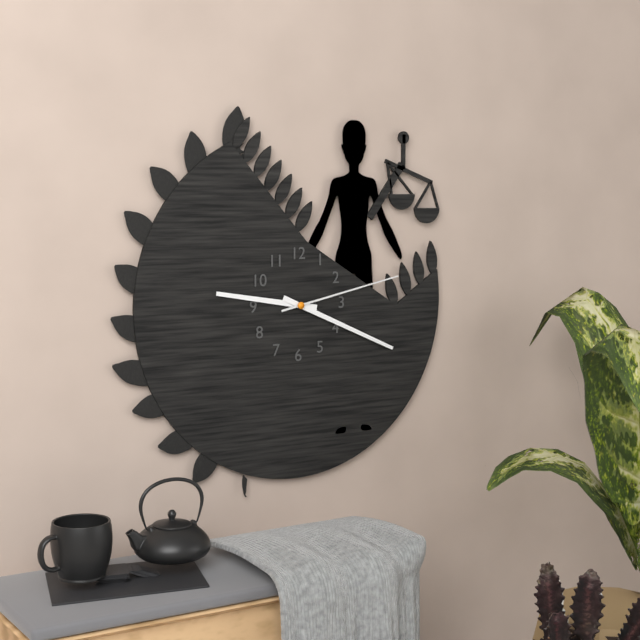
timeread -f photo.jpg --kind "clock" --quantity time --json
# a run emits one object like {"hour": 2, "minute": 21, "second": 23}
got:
{"hour": 9, "minute": 19, "second": 13}
